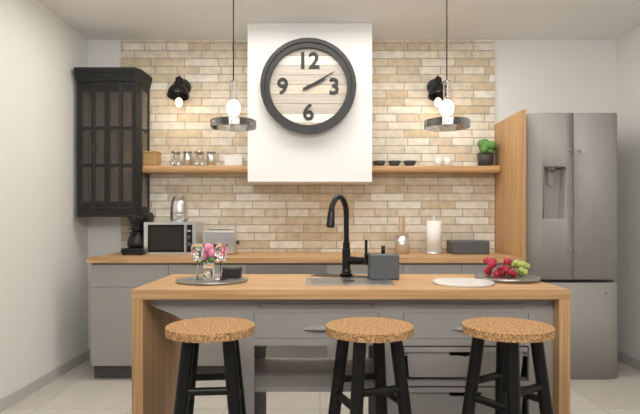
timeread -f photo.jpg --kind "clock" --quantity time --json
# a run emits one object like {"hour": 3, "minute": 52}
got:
{"hour": 2, "minute": 10}
